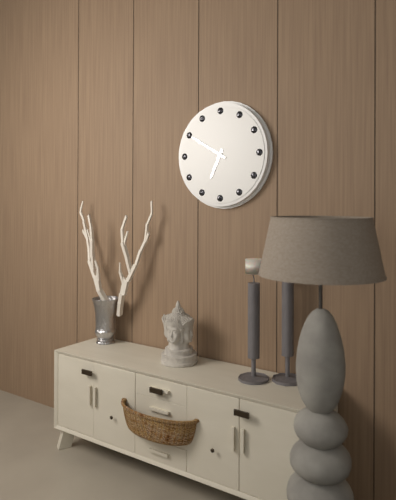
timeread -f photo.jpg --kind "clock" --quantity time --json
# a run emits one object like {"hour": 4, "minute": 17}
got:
{"hour": 6, "minute": 50}
